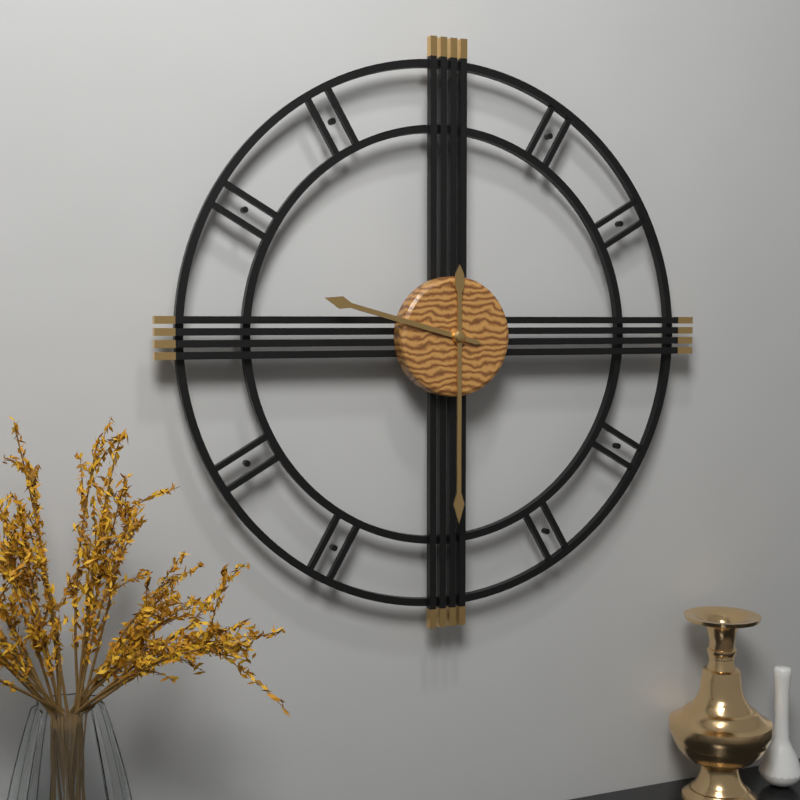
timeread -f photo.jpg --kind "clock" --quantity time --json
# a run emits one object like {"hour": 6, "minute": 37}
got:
{"hour": 9, "minute": 30}
